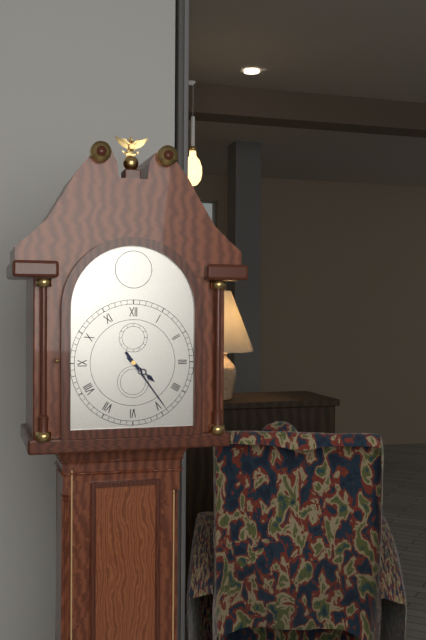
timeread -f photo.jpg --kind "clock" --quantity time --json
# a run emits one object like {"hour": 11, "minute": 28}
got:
{"hour": 4, "minute": 24}
